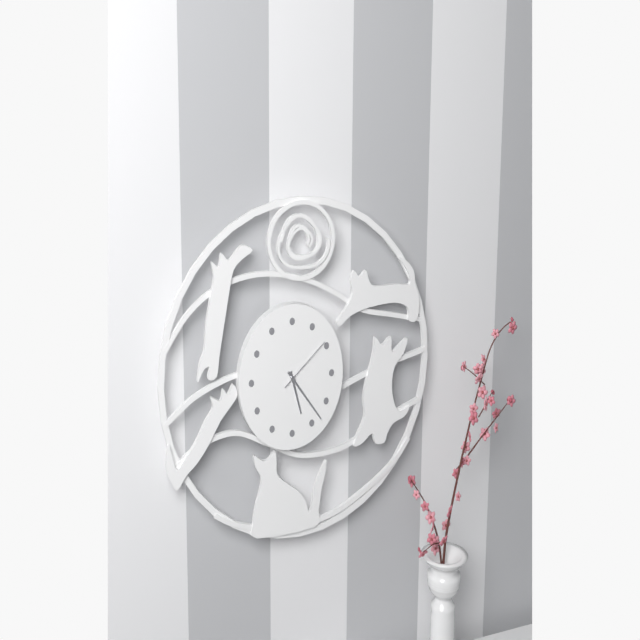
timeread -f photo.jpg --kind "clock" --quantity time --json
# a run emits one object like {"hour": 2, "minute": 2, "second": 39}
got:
{"hour": 5, "minute": 23, "second": 9}
